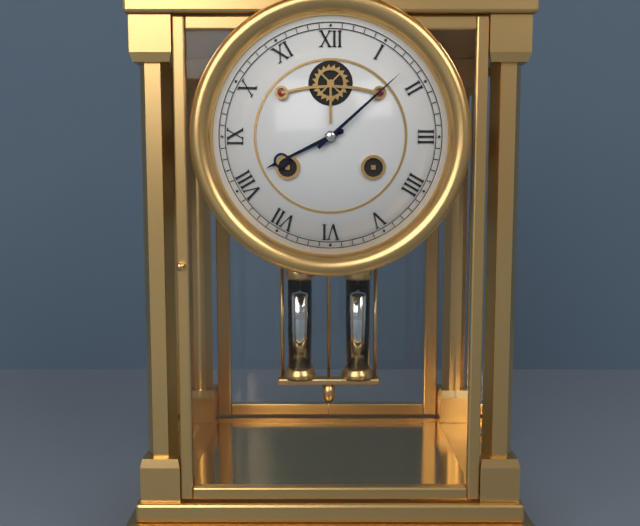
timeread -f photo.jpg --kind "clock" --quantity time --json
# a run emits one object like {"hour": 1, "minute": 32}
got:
{"hour": 8, "minute": 8}
